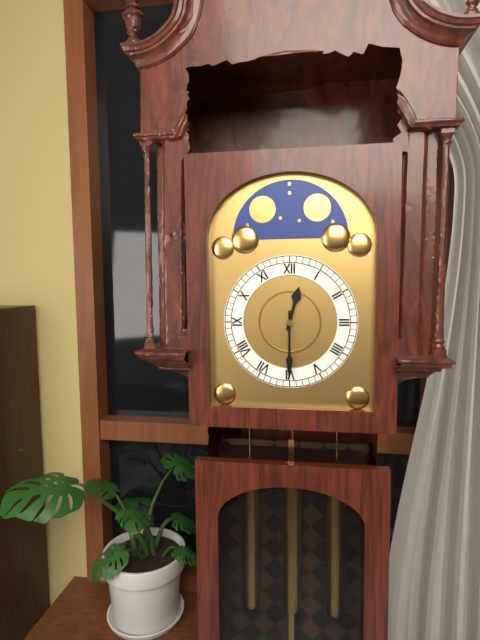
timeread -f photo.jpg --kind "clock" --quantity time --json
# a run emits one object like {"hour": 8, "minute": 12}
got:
{"hour": 12, "minute": 30}
